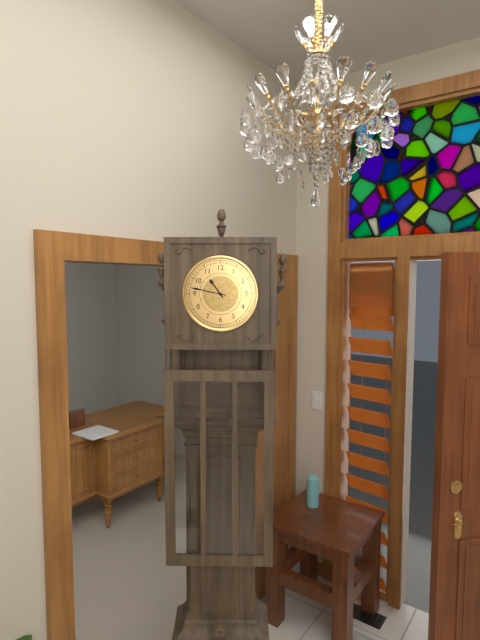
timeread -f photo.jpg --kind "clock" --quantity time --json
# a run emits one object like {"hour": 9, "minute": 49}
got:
{"hour": 10, "minute": 47}
